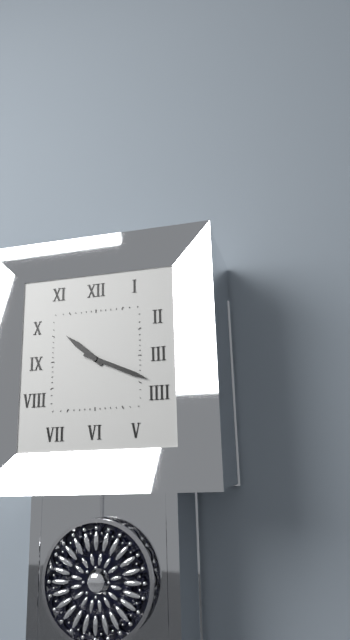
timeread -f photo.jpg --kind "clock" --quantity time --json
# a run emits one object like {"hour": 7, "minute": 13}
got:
{"hour": 10, "minute": 19}
